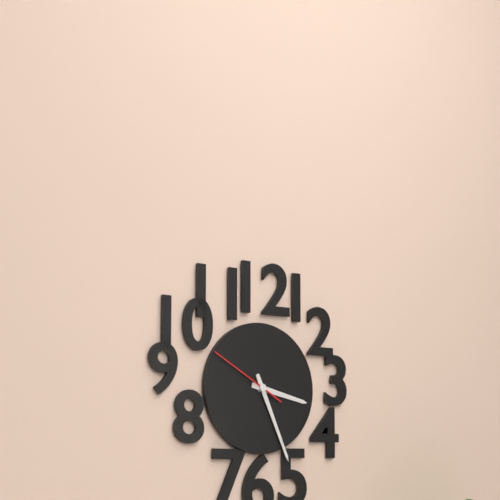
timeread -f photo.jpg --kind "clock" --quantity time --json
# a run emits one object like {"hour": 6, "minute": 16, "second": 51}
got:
{"hour": 3, "minute": 26, "second": 50}
